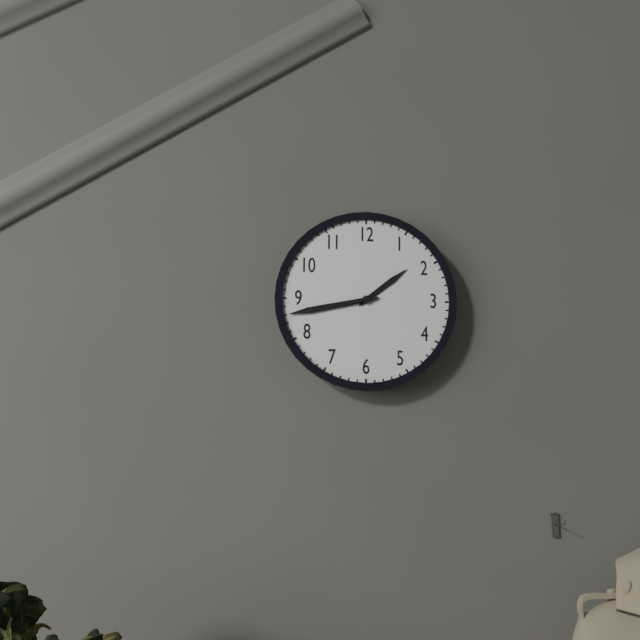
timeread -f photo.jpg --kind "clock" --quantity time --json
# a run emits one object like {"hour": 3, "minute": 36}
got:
{"hour": 1, "minute": 43}
